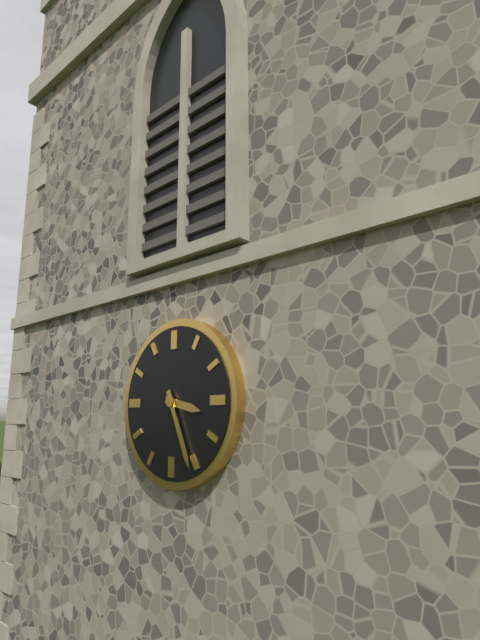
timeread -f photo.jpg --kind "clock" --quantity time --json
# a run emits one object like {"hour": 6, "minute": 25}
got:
{"hour": 3, "minute": 26}
